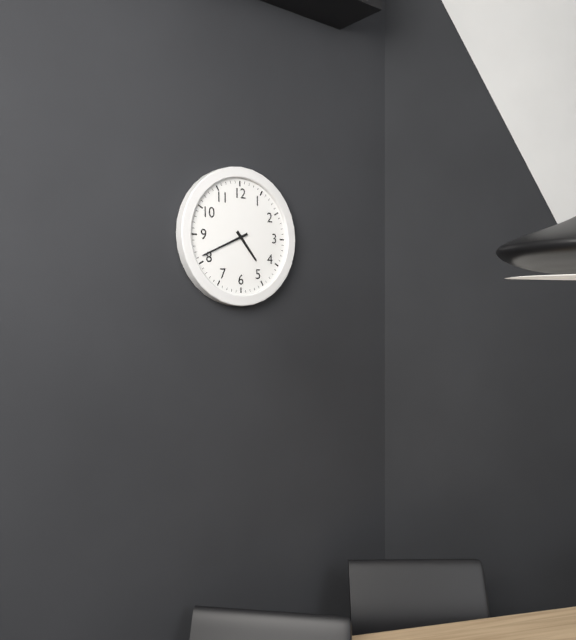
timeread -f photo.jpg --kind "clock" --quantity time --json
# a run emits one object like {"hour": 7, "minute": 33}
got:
{"hour": 4, "minute": 41}
